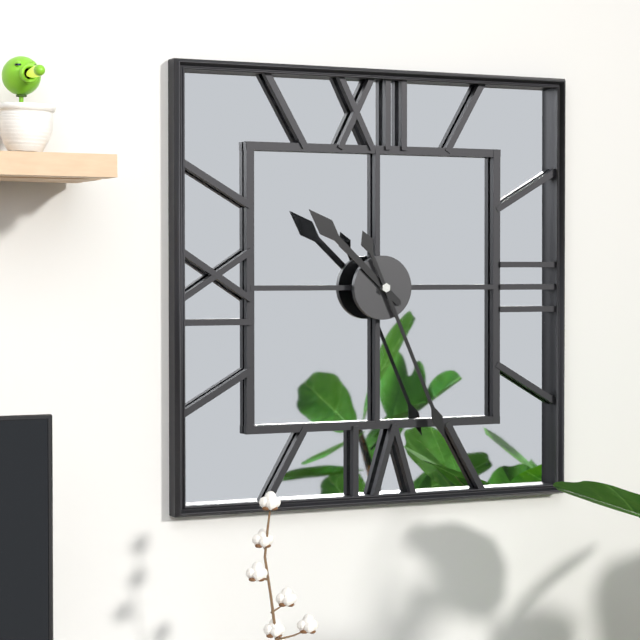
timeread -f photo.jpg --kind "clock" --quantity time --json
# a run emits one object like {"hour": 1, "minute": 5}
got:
{"hour": 10, "minute": 26}
